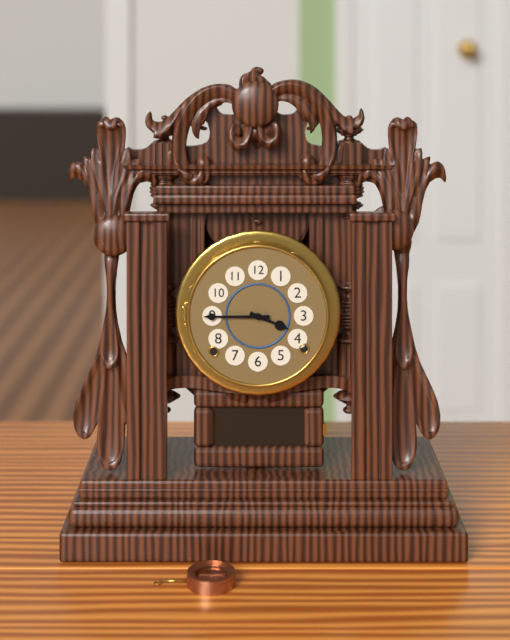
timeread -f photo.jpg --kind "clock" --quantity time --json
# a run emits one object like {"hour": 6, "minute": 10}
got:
{"hour": 3, "minute": 45}
